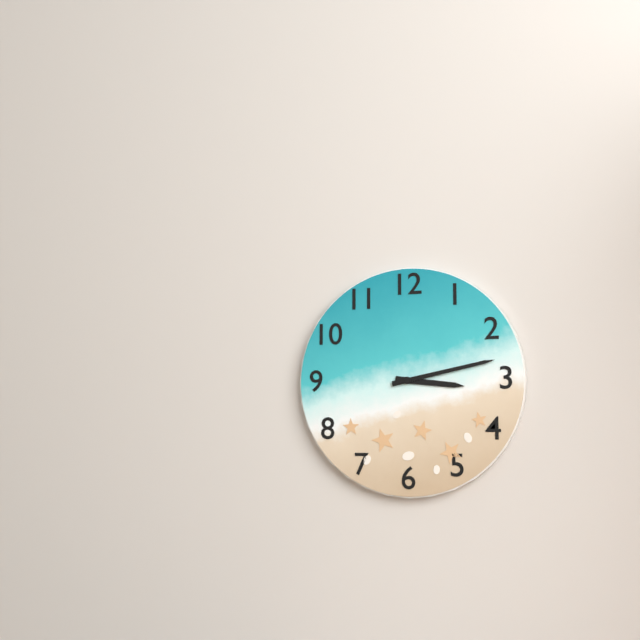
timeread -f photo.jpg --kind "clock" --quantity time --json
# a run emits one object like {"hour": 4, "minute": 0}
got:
{"hour": 3, "minute": 13}
